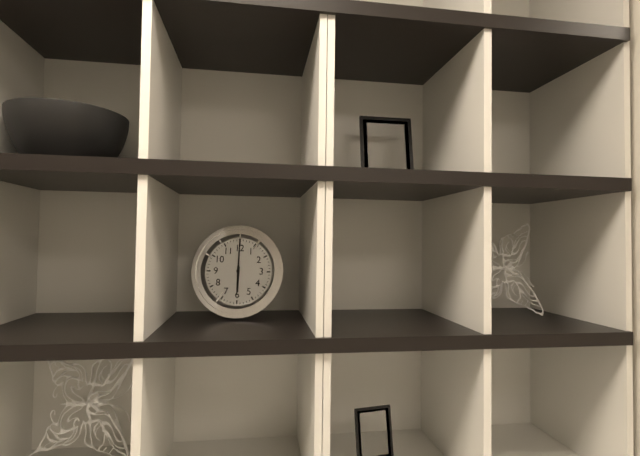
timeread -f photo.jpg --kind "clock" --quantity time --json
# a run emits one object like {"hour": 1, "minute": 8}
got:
{"hour": 6, "minute": 0}
